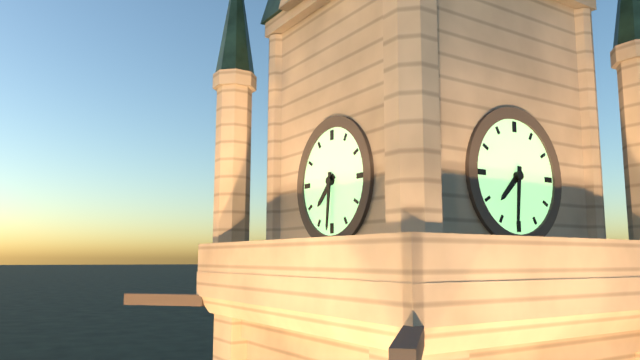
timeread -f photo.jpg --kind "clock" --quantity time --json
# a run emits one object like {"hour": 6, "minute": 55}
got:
{"hour": 7, "minute": 31}
